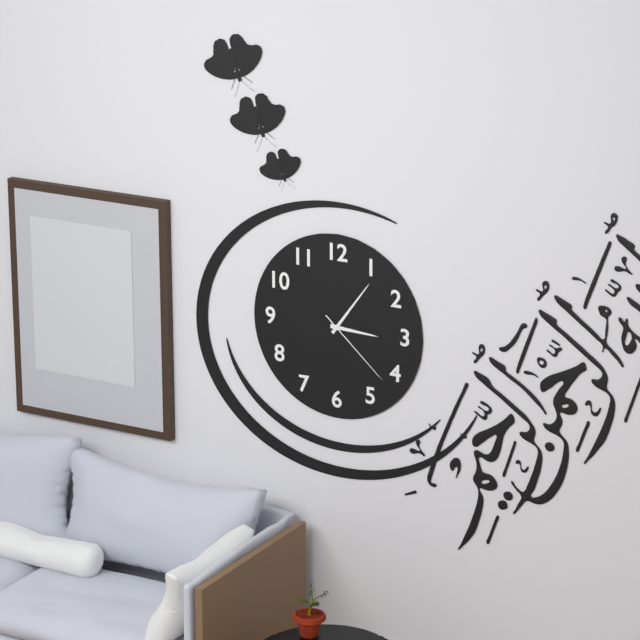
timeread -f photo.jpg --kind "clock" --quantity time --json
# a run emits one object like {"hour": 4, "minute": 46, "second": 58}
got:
{"hour": 3, "minute": 6, "second": 22}
